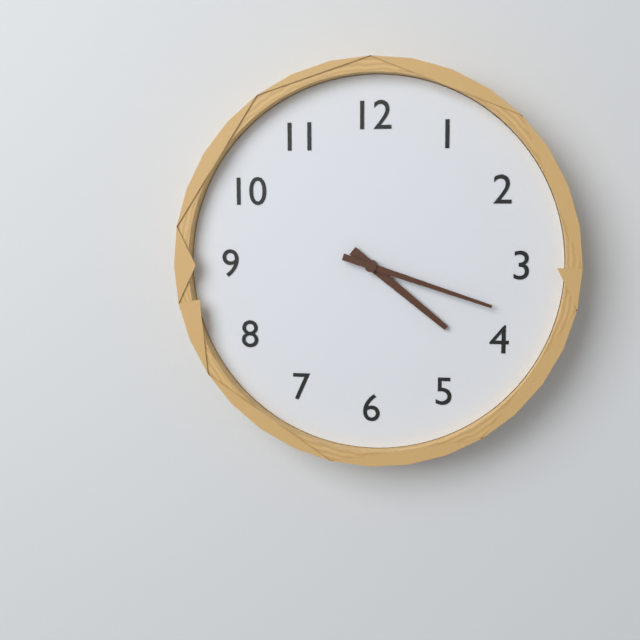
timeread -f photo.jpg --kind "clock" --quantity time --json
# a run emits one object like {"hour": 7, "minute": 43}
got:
{"hour": 4, "minute": 18}
